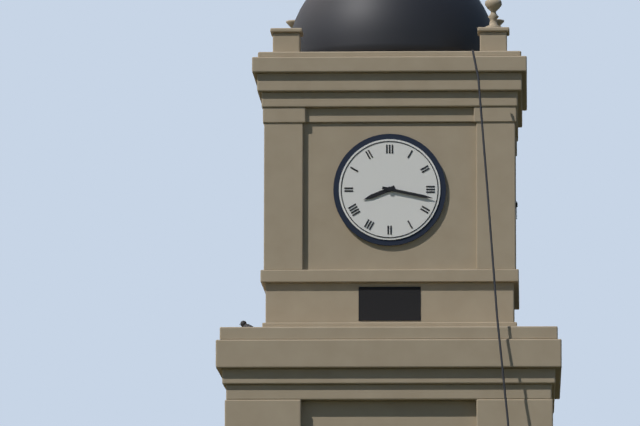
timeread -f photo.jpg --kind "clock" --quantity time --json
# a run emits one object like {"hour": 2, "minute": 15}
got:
{"hour": 8, "minute": 17}
